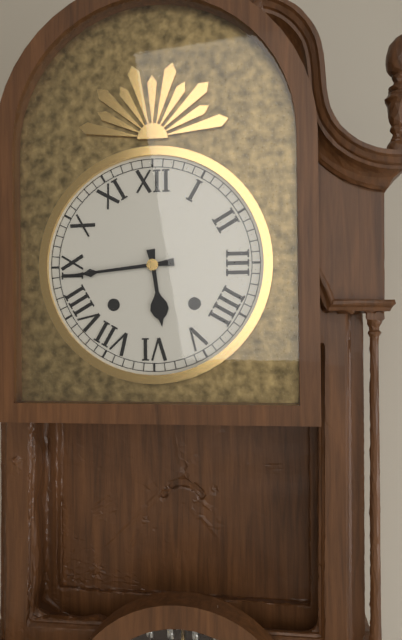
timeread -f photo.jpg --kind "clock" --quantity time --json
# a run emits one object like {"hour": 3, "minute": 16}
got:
{"hour": 5, "minute": 44}
